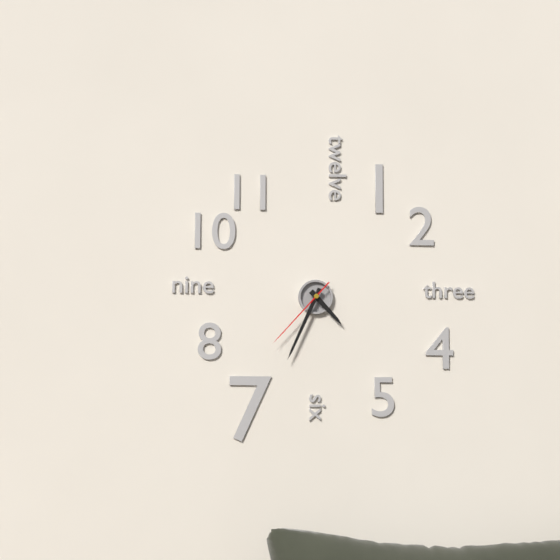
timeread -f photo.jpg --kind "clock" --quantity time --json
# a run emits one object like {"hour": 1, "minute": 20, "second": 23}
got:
{"hour": 4, "minute": 34, "second": 37}
